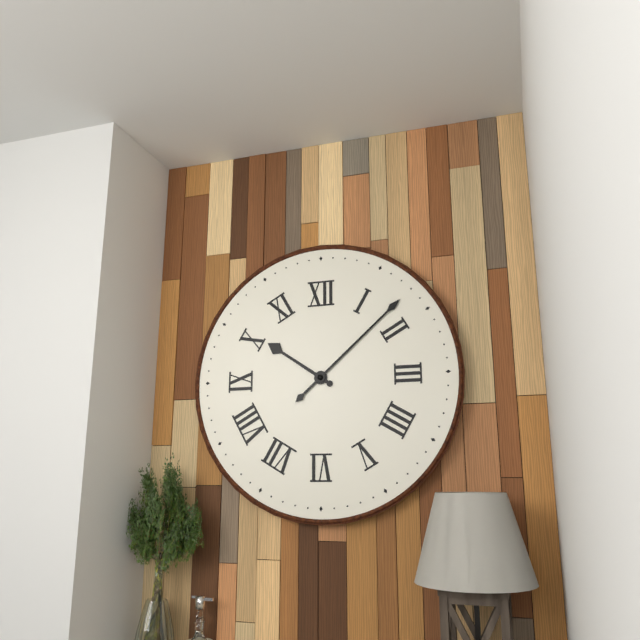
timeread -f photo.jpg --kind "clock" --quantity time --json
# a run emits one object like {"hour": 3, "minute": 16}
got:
{"hour": 10, "minute": 8}
